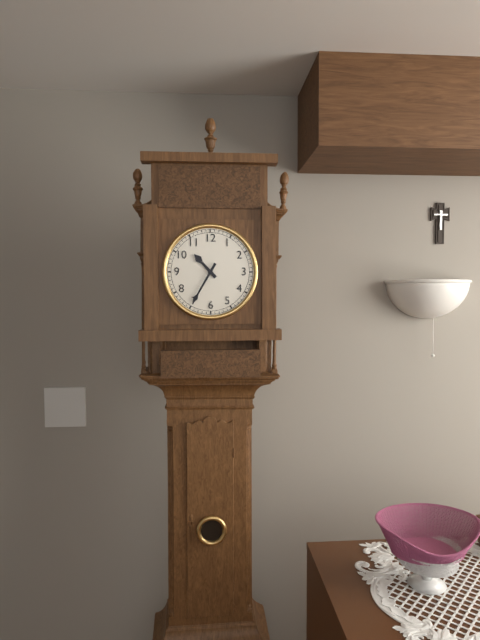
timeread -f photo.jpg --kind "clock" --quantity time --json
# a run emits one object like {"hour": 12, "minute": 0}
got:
{"hour": 10, "minute": 35}
